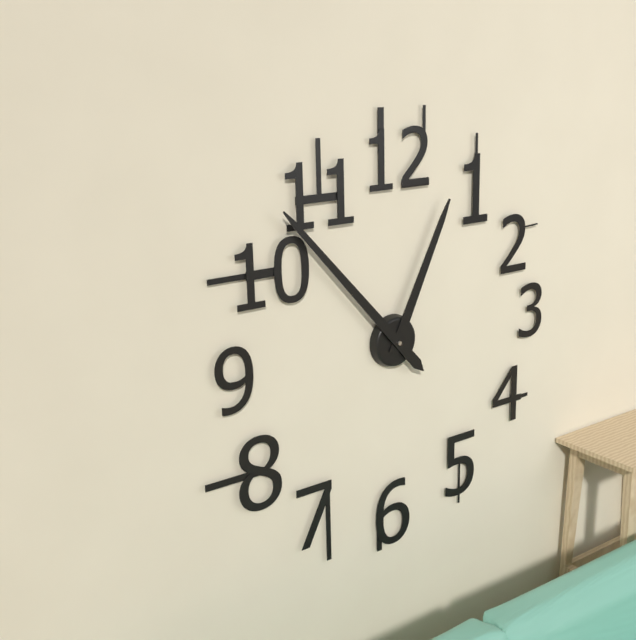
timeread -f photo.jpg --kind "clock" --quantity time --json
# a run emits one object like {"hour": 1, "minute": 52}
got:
{"hour": 12, "minute": 53}
